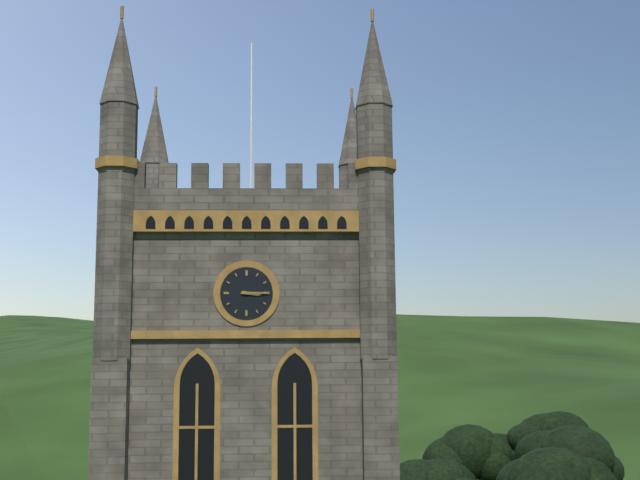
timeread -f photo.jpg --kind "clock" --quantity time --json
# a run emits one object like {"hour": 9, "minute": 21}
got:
{"hour": 3, "minute": 15}
